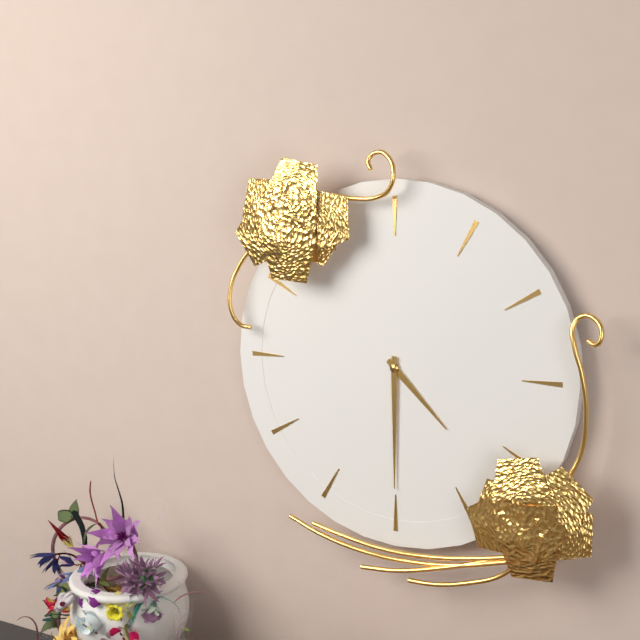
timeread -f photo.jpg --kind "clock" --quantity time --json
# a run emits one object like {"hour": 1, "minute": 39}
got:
{"hour": 4, "minute": 30}
